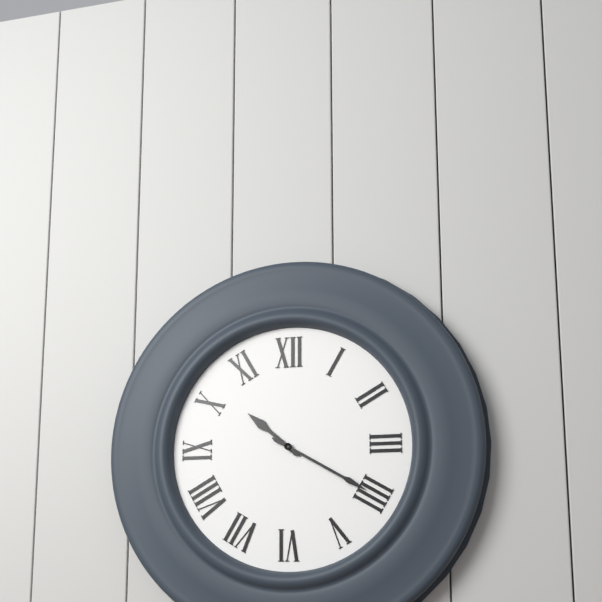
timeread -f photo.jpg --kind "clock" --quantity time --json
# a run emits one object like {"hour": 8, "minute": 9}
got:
{"hour": 10, "minute": 20}
